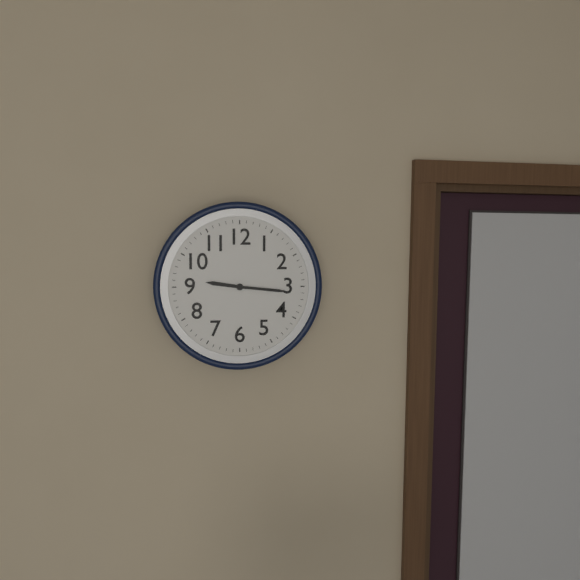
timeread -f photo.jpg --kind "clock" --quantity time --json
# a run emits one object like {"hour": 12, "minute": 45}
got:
{"hour": 9, "minute": 16}
